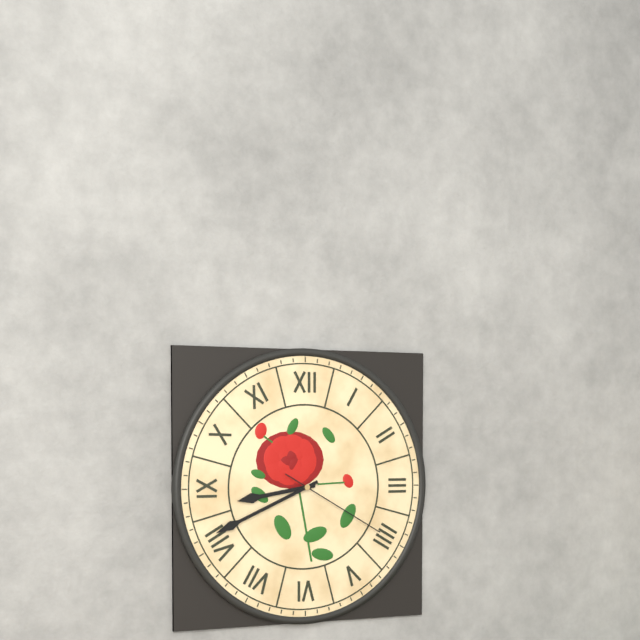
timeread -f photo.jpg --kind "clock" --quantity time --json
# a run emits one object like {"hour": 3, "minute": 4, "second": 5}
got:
{"hour": 8, "minute": 41, "second": 20}
